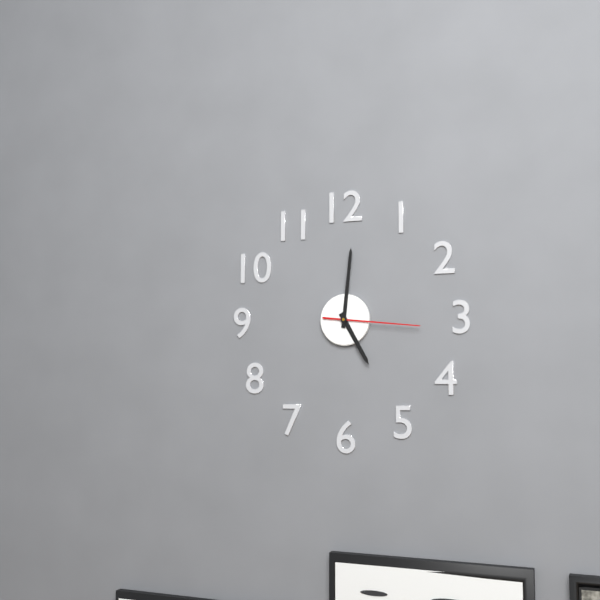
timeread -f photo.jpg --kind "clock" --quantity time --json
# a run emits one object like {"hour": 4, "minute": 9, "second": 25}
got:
{"hour": 5, "minute": 1, "second": 16}
